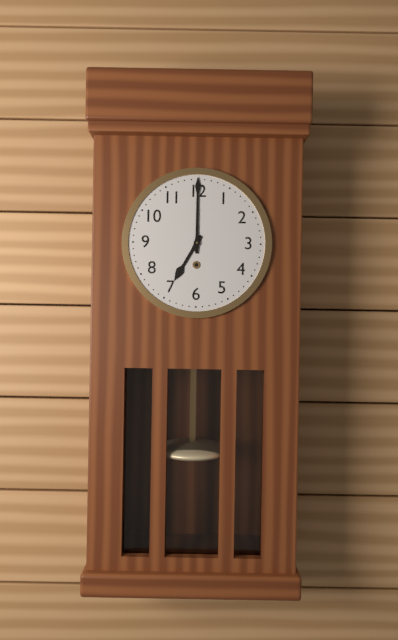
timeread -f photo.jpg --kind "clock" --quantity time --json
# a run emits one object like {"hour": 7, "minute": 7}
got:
{"hour": 7, "minute": 0}
